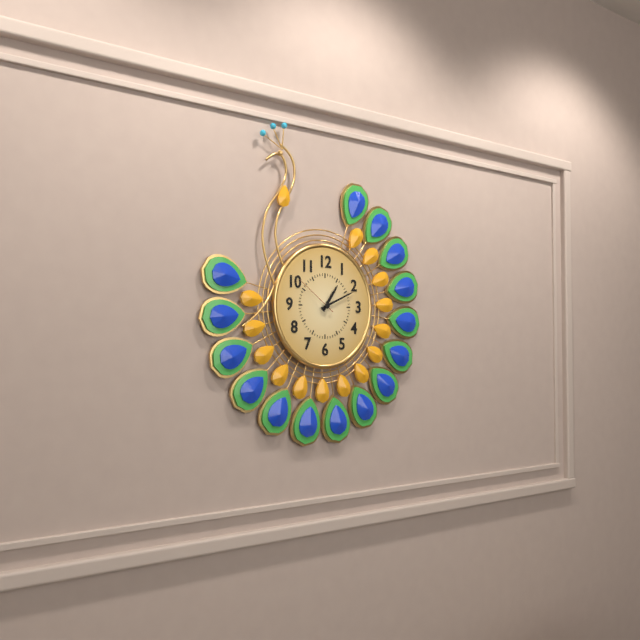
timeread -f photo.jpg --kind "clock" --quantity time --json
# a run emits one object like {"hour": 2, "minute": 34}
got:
{"hour": 1, "minute": 11}
